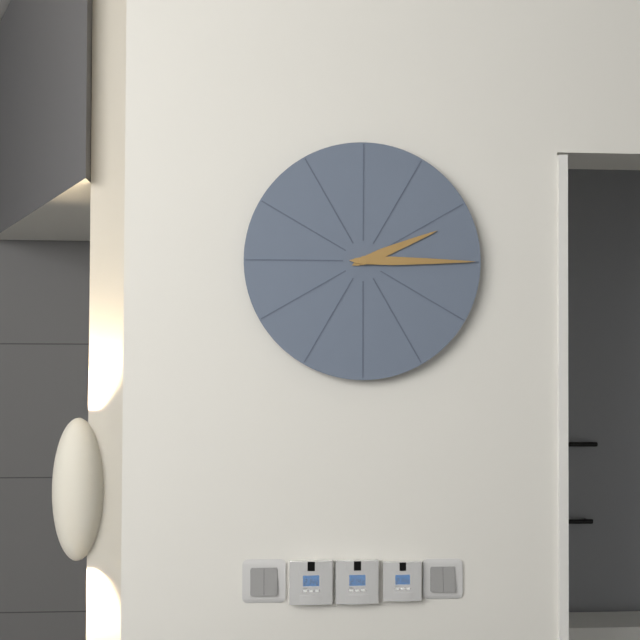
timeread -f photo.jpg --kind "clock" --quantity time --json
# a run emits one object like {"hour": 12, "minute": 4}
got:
{"hour": 2, "minute": 15}
